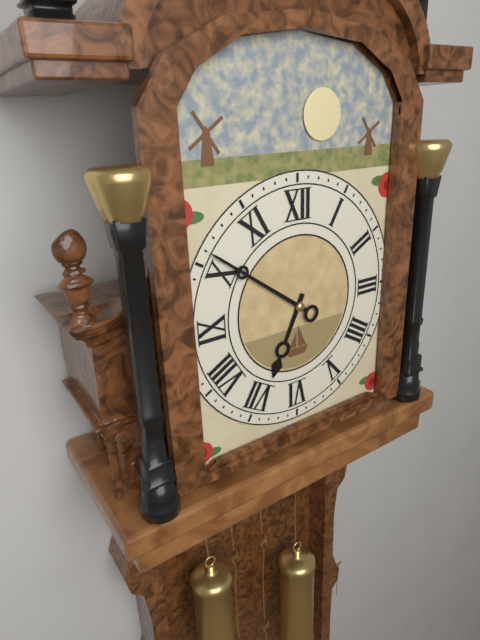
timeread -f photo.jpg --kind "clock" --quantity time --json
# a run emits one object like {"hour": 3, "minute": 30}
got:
{"hour": 6, "minute": 51}
